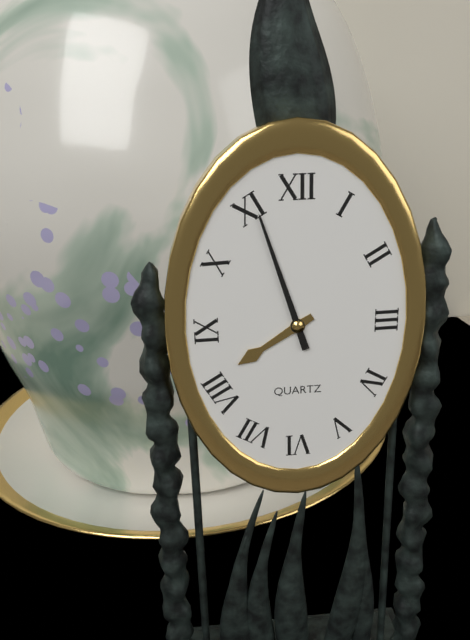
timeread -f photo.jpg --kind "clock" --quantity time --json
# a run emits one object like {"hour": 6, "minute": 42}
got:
{"hour": 7, "minute": 57}
